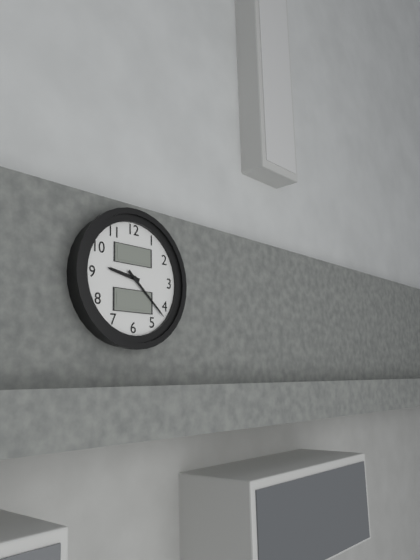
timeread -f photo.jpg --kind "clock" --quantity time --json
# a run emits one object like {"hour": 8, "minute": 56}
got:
{"hour": 9, "minute": 22}
